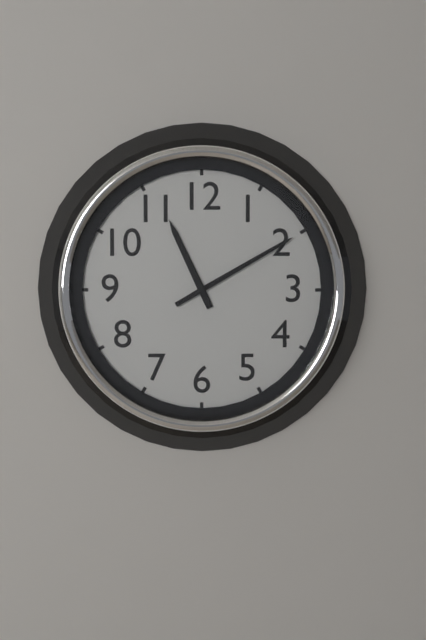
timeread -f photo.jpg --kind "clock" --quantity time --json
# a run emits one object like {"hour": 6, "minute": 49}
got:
{"hour": 11, "minute": 10}
